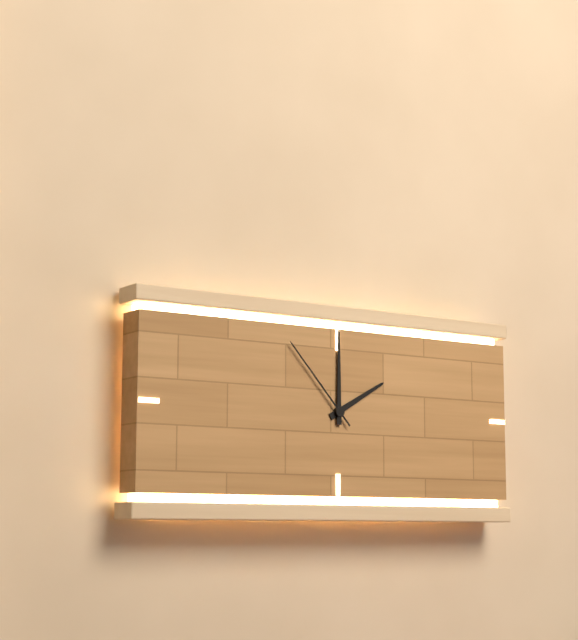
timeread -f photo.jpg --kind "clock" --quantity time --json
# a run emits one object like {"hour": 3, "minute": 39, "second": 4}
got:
{"hour": 2, "minute": 0, "second": 53}
